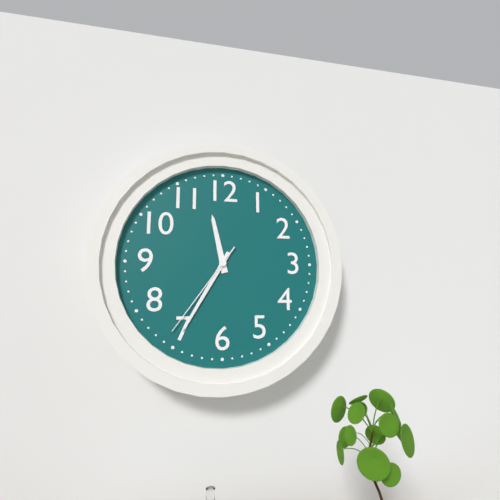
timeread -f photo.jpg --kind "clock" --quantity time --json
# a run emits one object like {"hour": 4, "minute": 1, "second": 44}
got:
{"hour": 11, "minute": 35, "second": 36}
